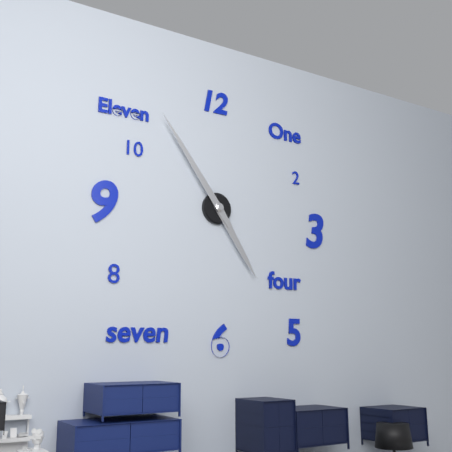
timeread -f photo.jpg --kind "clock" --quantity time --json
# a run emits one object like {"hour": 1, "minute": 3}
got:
{"hour": 4, "minute": 54}
